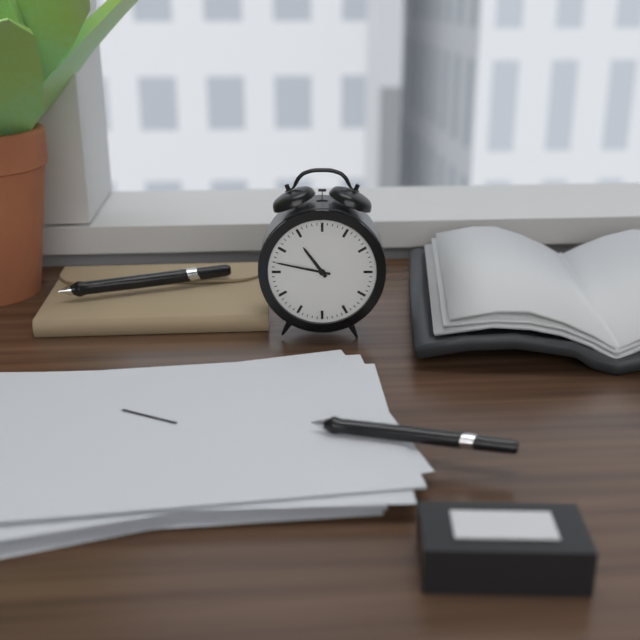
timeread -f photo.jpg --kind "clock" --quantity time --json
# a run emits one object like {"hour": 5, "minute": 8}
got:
{"hour": 10, "minute": 47}
